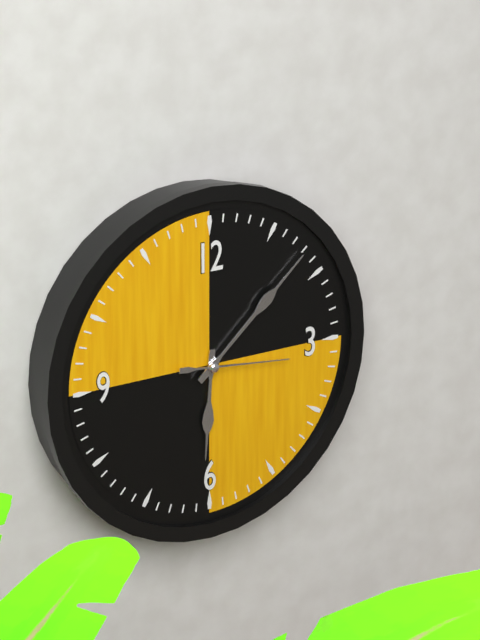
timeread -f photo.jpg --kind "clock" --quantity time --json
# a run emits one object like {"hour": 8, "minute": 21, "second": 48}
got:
{"hour": 6, "minute": 8, "second": 16}
